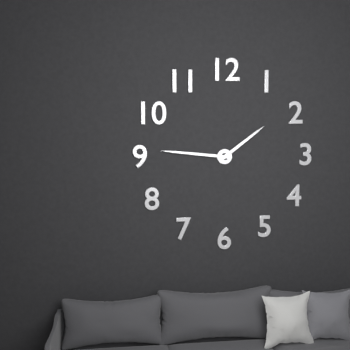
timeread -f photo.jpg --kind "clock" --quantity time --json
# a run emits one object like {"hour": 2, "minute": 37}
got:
{"hour": 1, "minute": 46}
